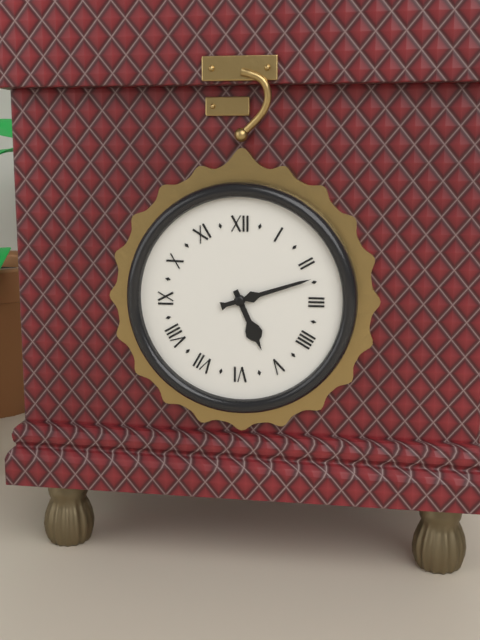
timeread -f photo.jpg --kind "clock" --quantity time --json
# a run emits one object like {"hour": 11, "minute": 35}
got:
{"hour": 5, "minute": 12}
